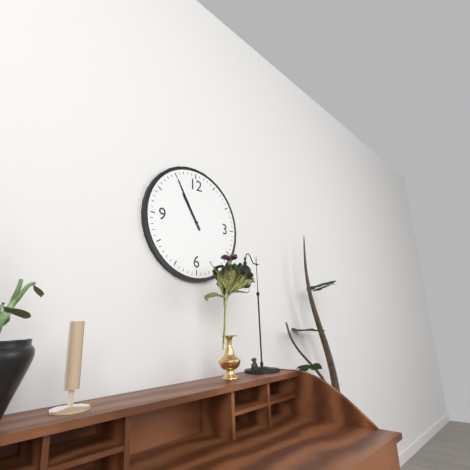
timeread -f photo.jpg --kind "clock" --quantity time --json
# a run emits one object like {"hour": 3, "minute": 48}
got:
{"hour": 10, "minute": 55}
